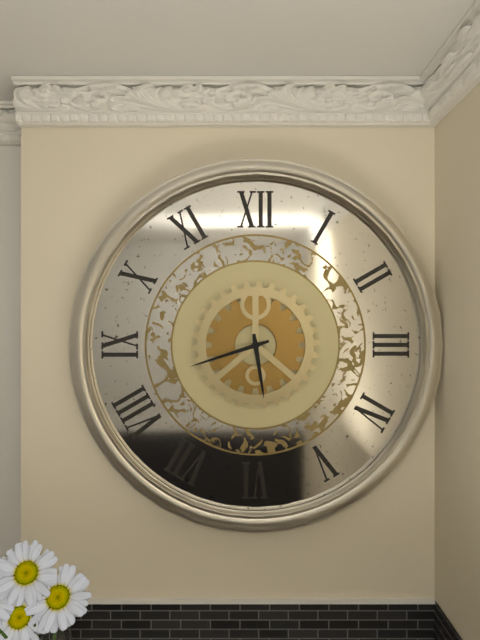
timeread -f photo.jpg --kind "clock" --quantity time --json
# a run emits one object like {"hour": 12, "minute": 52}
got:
{"hour": 5, "minute": 42}
